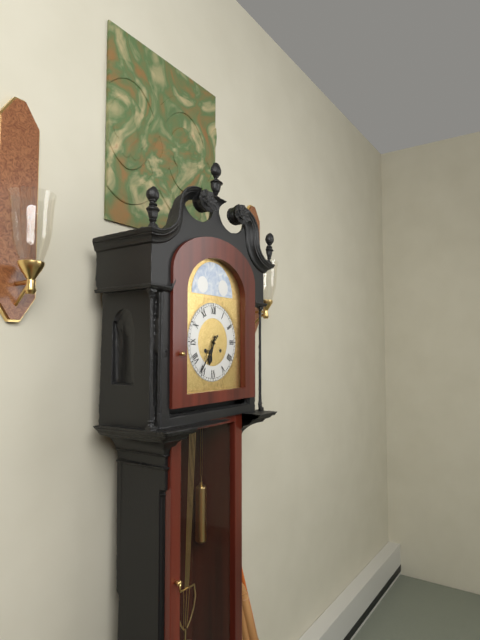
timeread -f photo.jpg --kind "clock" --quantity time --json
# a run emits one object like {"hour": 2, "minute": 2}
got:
{"hour": 6, "minute": 36}
